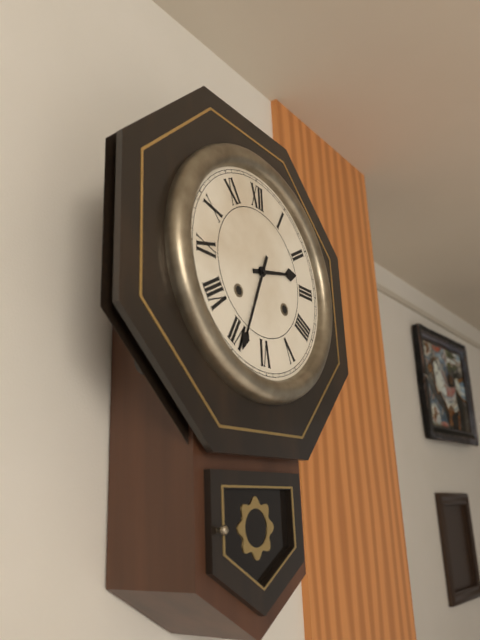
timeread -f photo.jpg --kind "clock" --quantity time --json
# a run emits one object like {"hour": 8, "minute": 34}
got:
{"hour": 2, "minute": 34}
